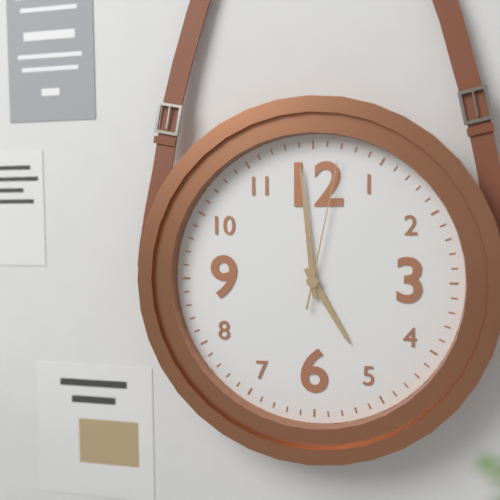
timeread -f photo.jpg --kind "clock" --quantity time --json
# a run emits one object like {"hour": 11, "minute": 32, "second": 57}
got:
{"hour": 4, "minute": 59, "second": 2}
